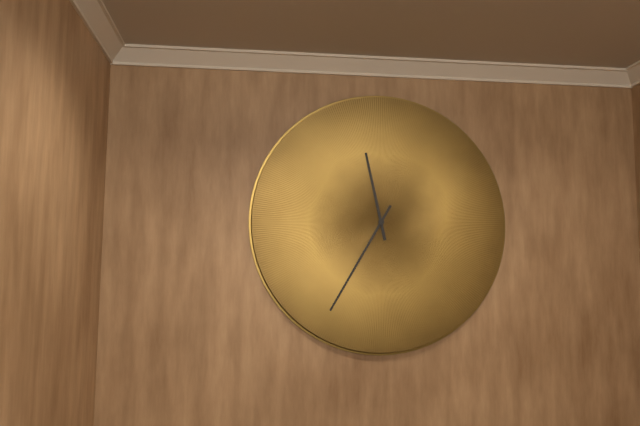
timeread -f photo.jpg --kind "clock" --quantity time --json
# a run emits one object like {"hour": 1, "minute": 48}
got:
{"hour": 11, "minute": 35}
